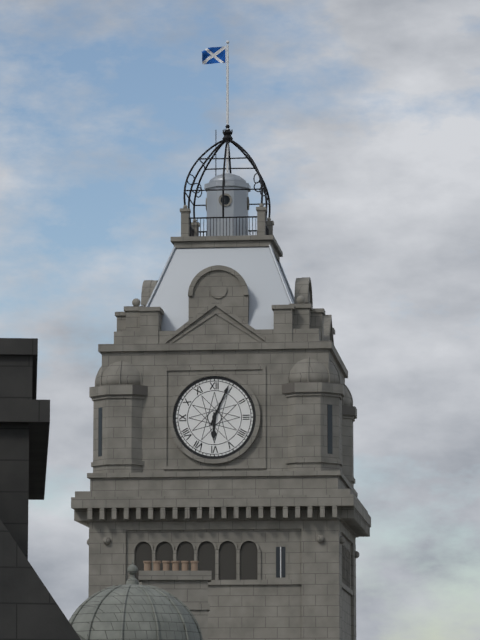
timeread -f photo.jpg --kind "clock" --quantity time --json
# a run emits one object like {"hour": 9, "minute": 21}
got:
{"hour": 6, "minute": 4}
